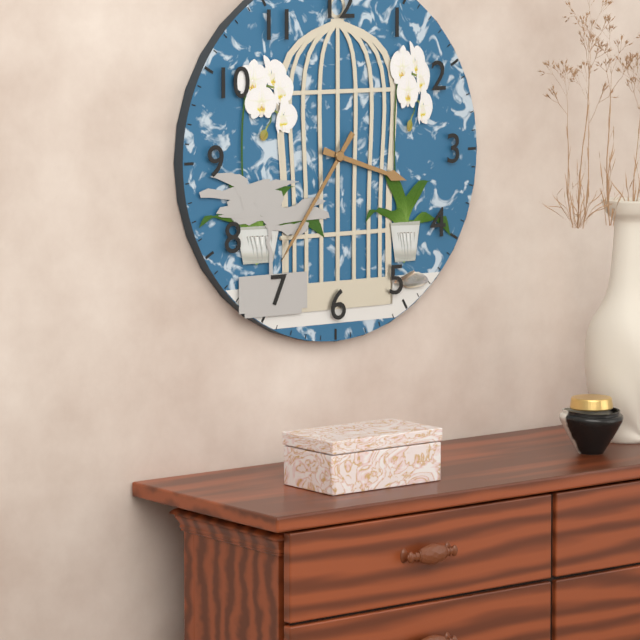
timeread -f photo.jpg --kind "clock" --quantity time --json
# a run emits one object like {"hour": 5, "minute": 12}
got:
{"hour": 3, "minute": 36}
